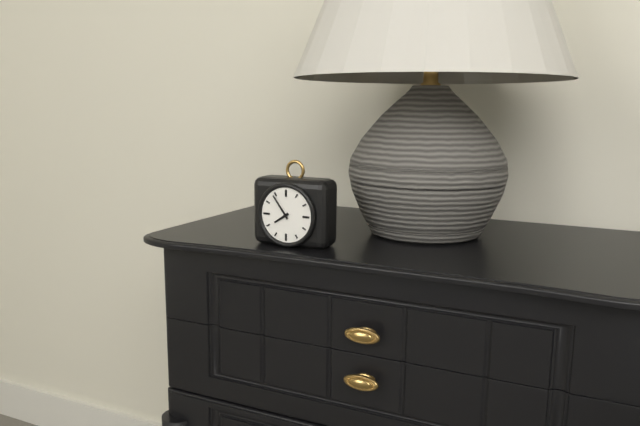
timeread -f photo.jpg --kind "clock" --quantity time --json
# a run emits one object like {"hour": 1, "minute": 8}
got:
{"hour": 7, "minute": 54}
